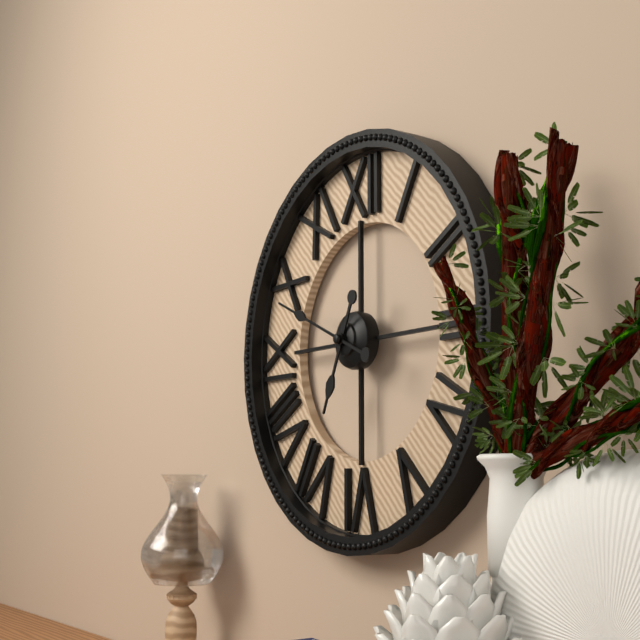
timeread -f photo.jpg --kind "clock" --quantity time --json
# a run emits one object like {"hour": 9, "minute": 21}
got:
{"hour": 6, "minute": 49}
